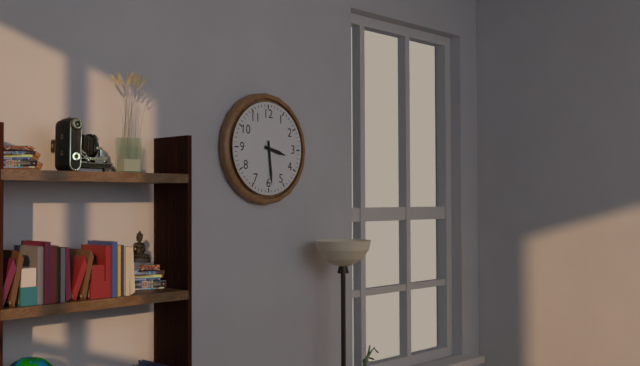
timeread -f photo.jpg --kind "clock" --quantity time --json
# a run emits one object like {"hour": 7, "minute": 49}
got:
{"hour": 3, "minute": 29}
